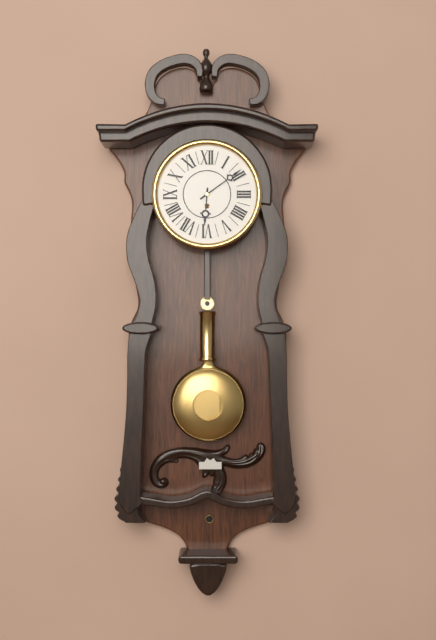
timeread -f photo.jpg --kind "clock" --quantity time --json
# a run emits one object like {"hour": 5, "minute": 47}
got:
{"hour": 6, "minute": 9}
